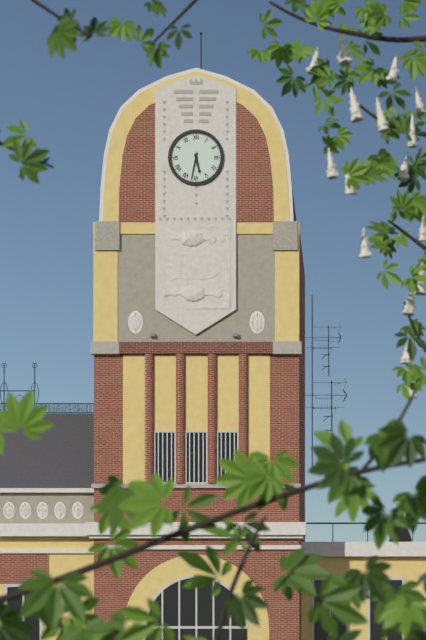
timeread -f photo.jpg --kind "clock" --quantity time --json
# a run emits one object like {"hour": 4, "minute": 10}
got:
{"hour": 5, "minute": 32}
